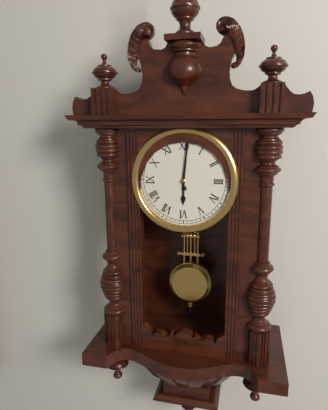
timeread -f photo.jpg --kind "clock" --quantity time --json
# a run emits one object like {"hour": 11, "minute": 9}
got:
{"hour": 6, "minute": 1}
